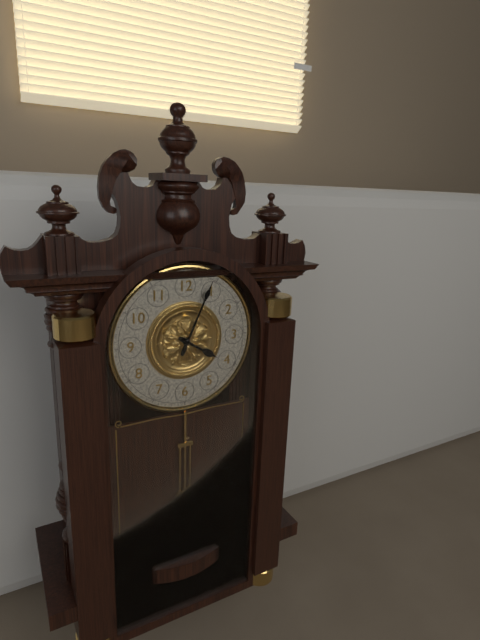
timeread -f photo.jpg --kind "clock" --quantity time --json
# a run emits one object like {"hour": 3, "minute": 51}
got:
{"hour": 4, "minute": 4}
